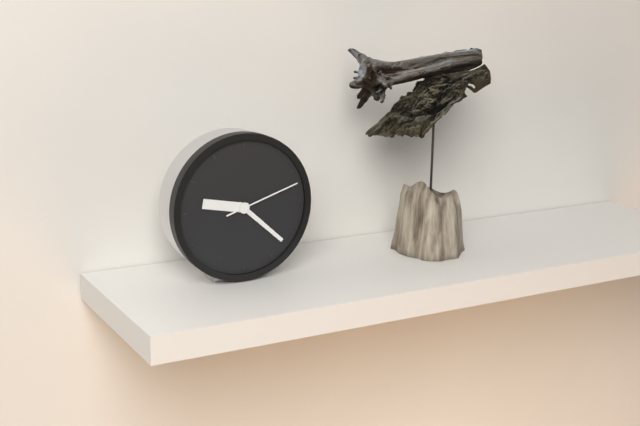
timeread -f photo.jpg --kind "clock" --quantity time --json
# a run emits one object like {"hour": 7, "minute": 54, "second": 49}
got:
{"hour": 9, "minute": 22, "second": 12}
